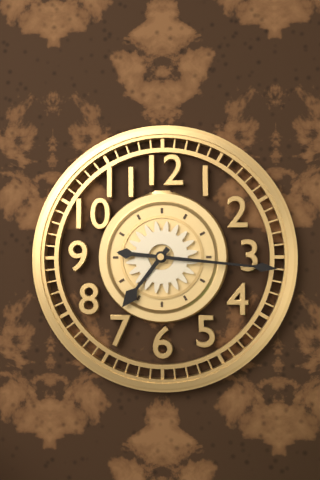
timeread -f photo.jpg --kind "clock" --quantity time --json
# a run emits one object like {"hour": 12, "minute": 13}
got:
{"hour": 7, "minute": 16}
